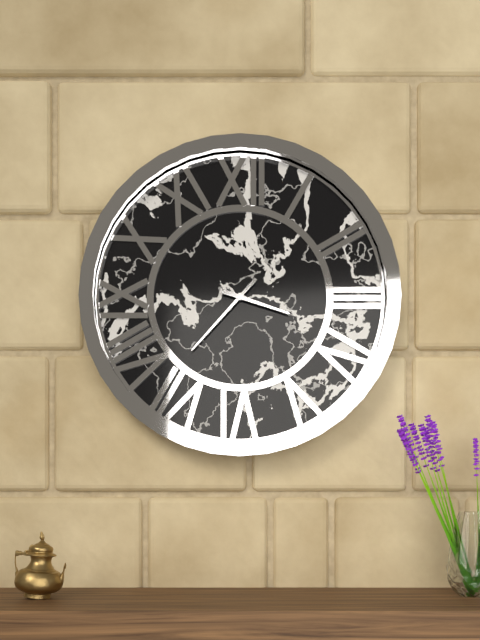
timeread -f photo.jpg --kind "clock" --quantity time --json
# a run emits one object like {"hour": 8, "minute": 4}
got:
{"hour": 3, "minute": 37}
